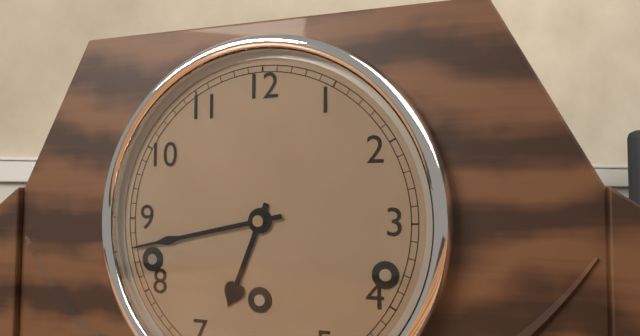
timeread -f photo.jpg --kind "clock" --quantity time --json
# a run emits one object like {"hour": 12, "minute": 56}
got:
{"hour": 6, "minute": 43}
